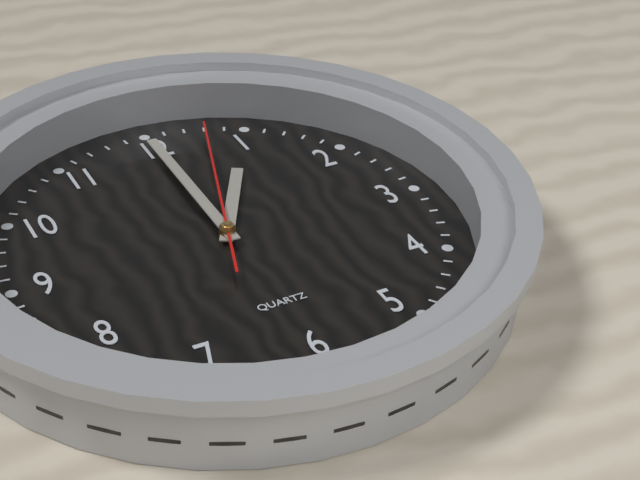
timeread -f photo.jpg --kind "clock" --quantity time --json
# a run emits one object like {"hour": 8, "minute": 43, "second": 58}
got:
{"hour": 1, "minute": 0, "second": 3}
